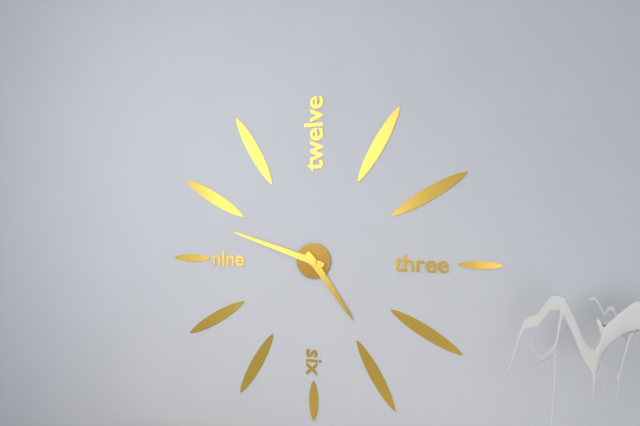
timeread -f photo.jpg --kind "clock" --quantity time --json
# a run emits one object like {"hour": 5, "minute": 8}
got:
{"hour": 4, "minute": 48}
